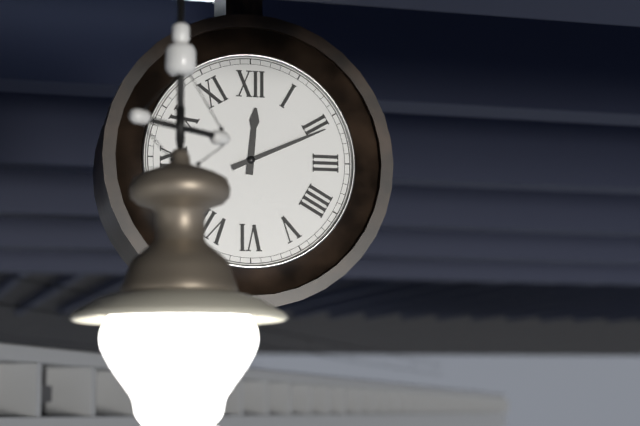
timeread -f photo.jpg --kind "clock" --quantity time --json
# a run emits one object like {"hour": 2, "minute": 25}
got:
{"hour": 12, "minute": 11}
